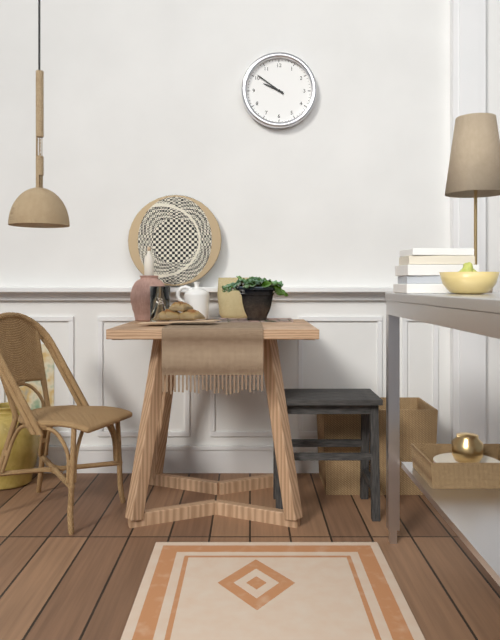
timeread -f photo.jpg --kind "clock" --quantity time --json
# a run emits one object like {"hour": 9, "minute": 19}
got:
{"hour": 9, "minute": 51}
